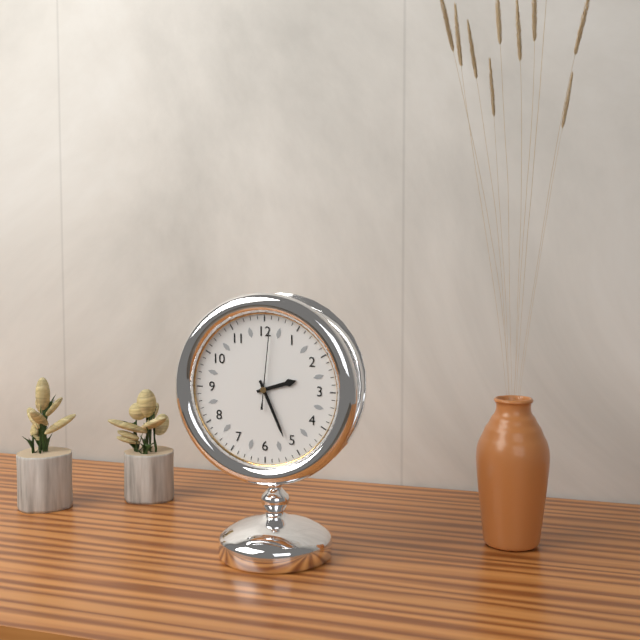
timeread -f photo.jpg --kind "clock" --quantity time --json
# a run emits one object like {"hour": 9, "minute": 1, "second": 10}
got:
{"hour": 2, "minute": 26, "second": 1}
